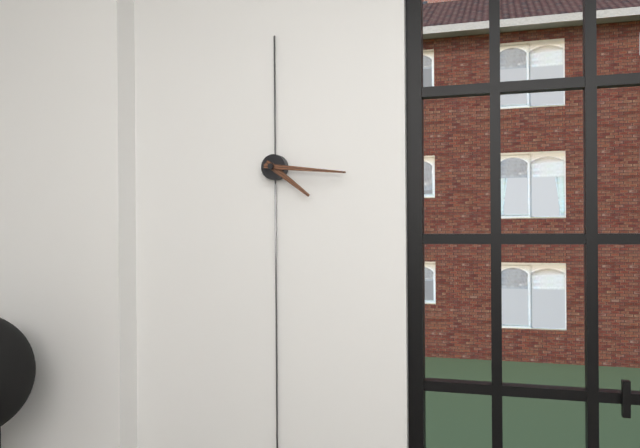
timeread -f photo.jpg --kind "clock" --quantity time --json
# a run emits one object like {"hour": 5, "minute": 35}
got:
{"hour": 4, "minute": 16}
